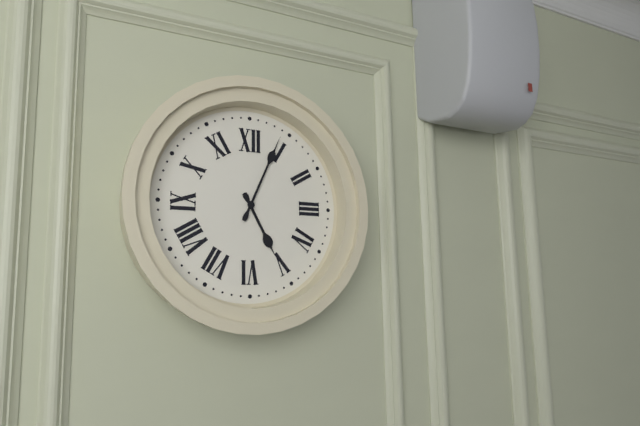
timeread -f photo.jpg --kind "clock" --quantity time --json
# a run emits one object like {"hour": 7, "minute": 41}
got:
{"hour": 5, "minute": 4}
